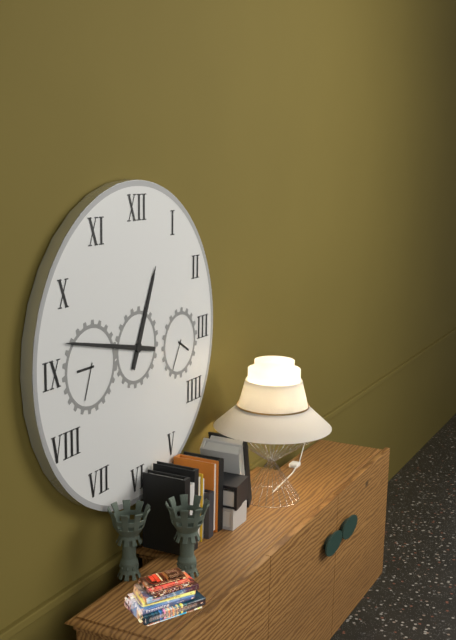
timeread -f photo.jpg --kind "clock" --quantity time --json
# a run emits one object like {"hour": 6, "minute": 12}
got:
{"hour": 12, "minute": 47}
